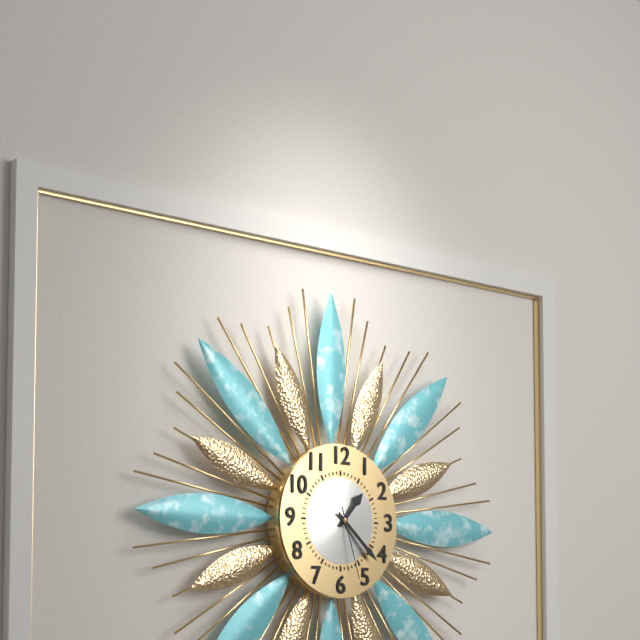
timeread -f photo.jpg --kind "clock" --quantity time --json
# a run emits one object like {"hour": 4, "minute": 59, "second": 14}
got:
{"hour": 1, "minute": 22, "second": 27}
